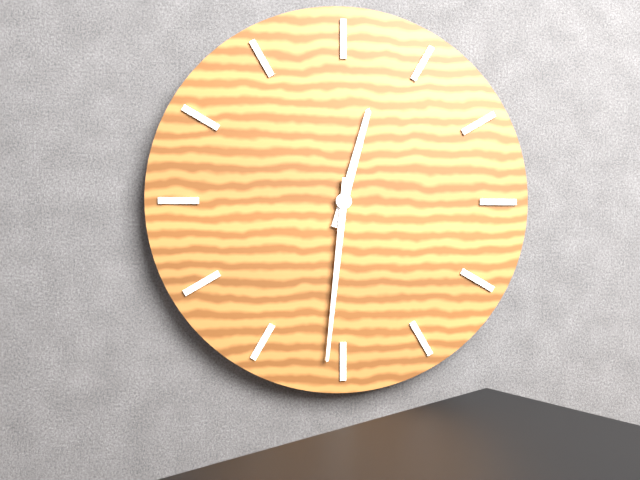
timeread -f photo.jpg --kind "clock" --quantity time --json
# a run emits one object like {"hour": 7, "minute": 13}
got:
{"hour": 12, "minute": 31}
